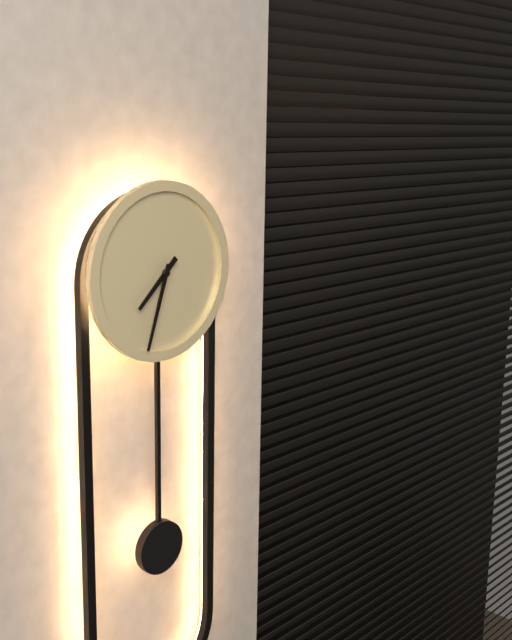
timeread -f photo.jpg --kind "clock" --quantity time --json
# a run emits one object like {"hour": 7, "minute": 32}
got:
{"hour": 7, "minute": 33}
